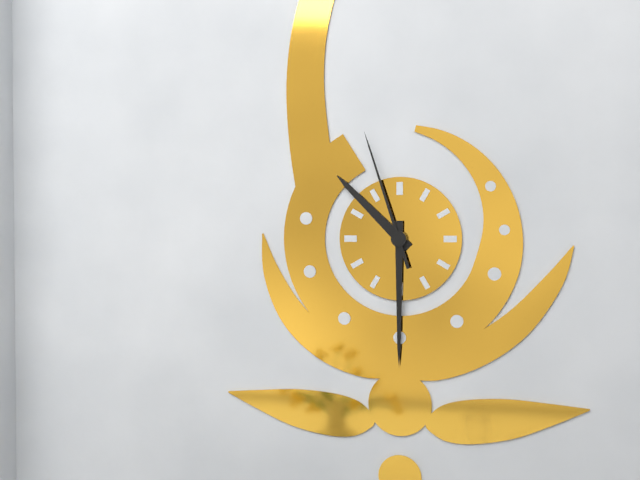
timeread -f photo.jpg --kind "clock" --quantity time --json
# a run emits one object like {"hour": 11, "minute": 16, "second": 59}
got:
{"hour": 10, "minute": 30, "second": 57}
